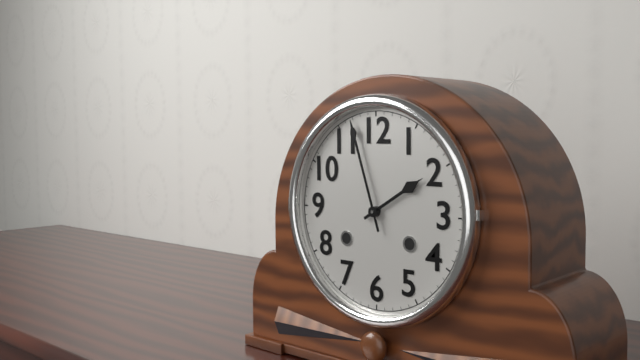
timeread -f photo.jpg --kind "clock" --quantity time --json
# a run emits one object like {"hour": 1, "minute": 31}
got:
{"hour": 1, "minute": 57}
